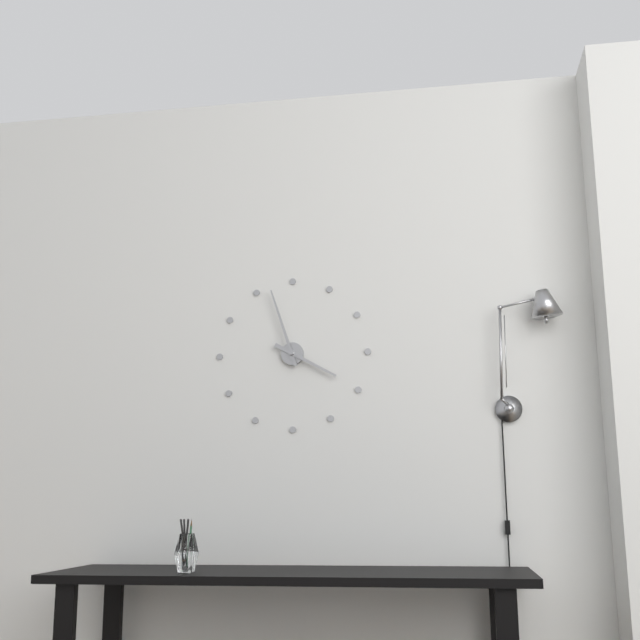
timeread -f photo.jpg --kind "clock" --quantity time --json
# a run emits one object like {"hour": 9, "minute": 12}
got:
{"hour": 3, "minute": 57}
